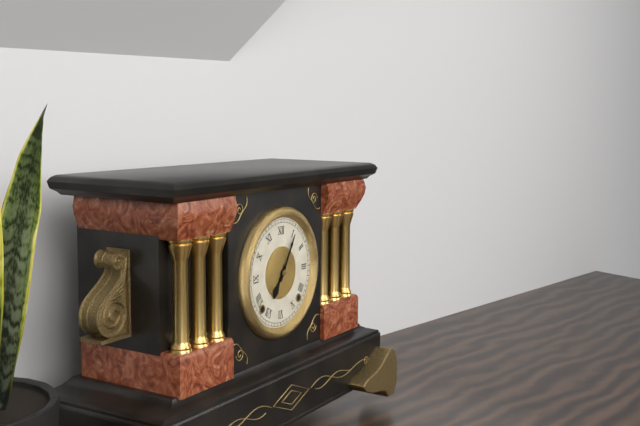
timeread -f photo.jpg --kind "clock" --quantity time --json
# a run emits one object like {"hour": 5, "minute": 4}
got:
{"hour": 7, "minute": 5}
